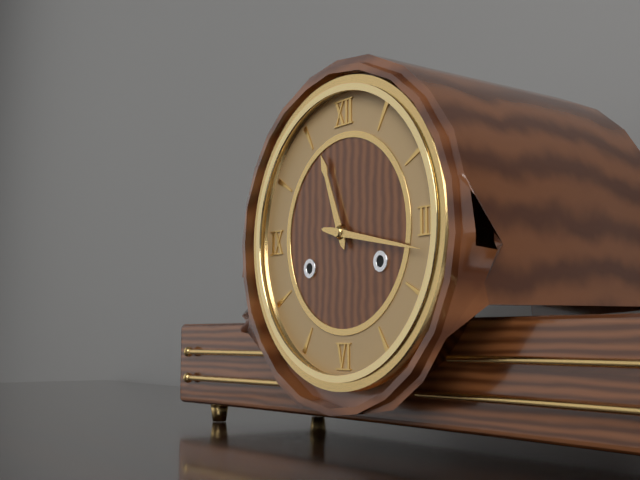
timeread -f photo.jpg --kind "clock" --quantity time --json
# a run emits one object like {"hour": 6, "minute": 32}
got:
{"hour": 11, "minute": 17}
